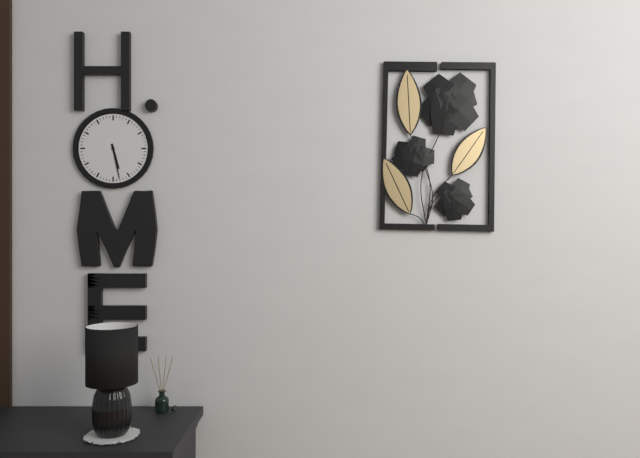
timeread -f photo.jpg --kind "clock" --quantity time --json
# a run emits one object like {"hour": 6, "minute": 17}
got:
{"hour": 5, "minute": 28}
